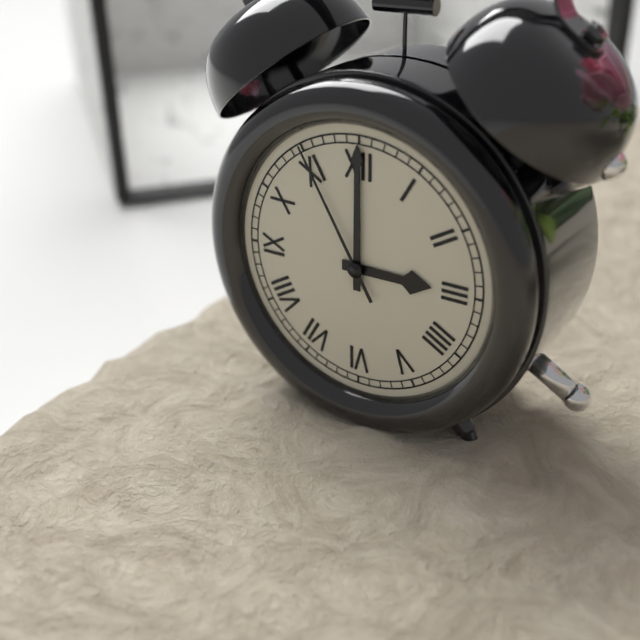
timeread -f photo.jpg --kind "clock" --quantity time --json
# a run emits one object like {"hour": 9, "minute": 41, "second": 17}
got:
{"hour": 3, "minute": 0, "second": 55}
